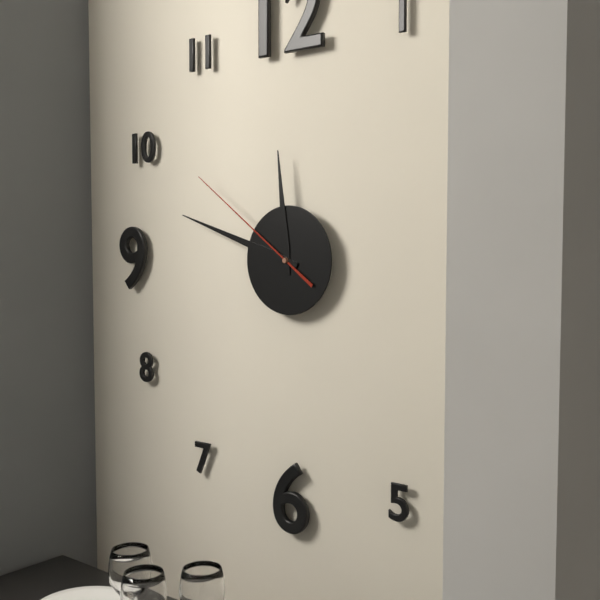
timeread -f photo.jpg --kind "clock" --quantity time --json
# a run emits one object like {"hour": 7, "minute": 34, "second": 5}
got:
{"hour": 11, "minute": 48, "second": 51}
